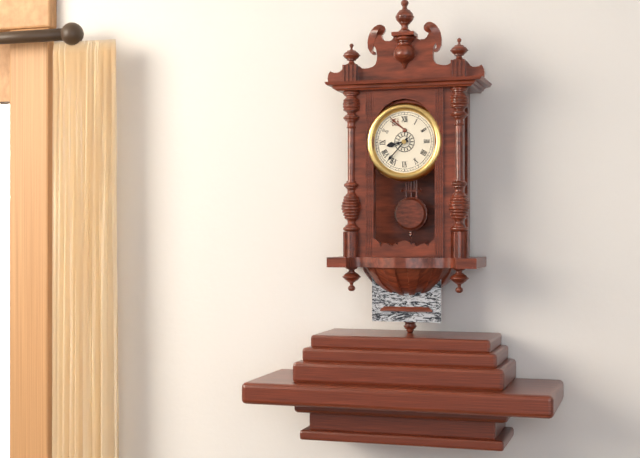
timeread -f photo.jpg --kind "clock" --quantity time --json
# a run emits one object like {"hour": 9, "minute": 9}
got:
{"hour": 8, "minute": 37}
